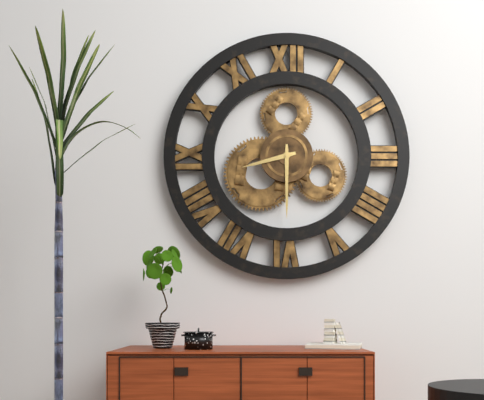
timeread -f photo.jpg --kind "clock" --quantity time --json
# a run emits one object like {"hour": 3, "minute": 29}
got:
{"hour": 8, "minute": 30}
